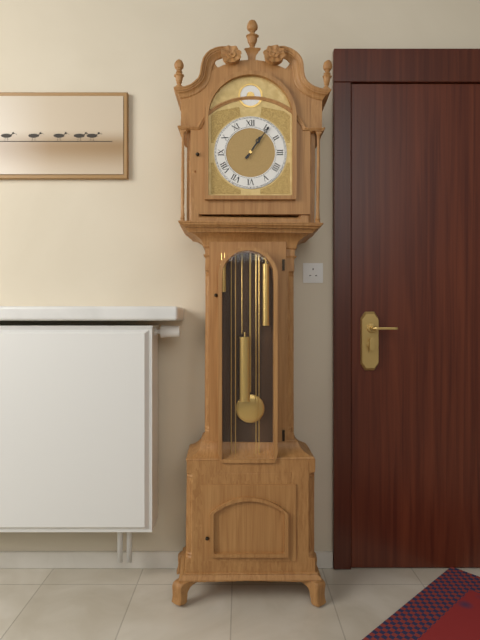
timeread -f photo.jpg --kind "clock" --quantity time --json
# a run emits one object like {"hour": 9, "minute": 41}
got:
{"hour": 1, "minute": 6}
